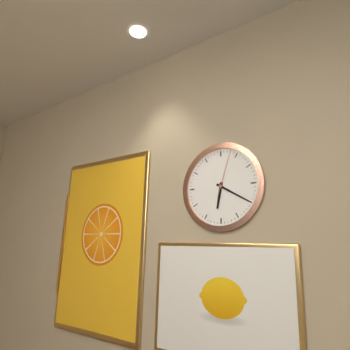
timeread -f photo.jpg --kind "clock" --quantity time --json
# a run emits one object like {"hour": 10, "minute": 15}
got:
{"hour": 6, "minute": 20}
